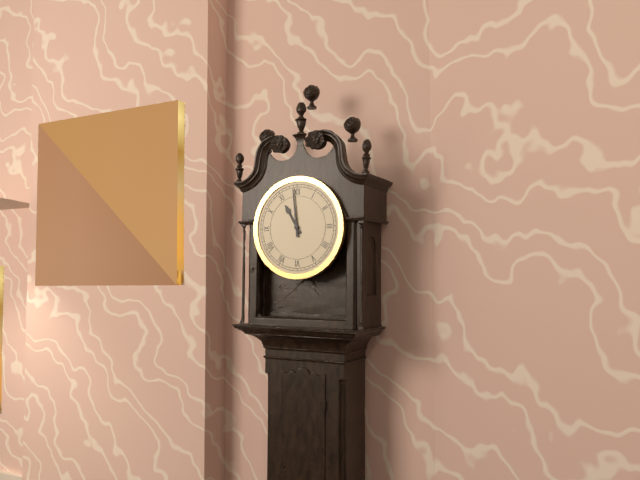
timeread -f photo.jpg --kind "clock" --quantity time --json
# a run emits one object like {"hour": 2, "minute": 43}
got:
{"hour": 10, "minute": 59}
